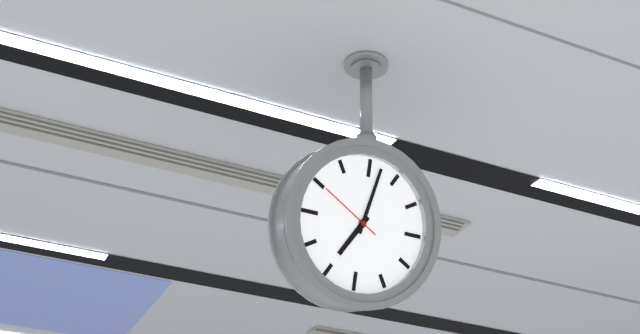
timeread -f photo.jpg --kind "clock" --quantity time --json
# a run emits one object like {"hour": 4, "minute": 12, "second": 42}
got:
{"hour": 7, "minute": 2, "second": 50}
